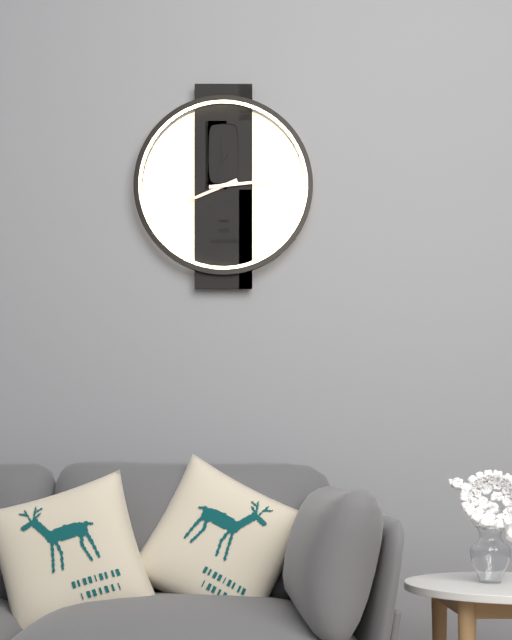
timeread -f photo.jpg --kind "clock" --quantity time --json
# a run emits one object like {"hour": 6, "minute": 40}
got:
{"hour": 8, "minute": 14}
